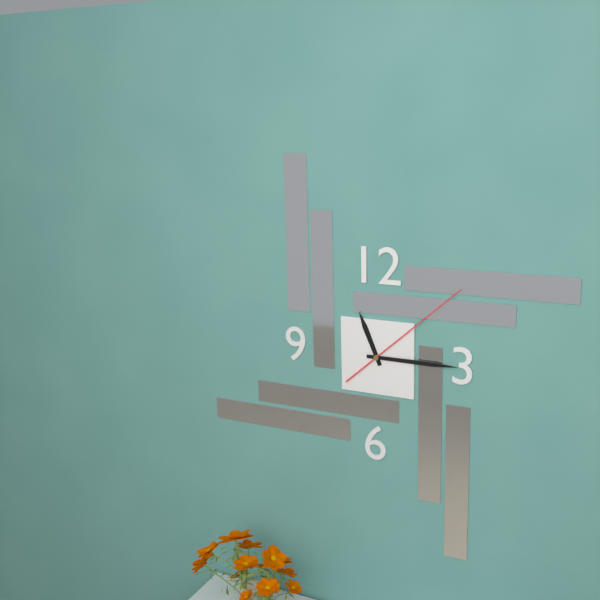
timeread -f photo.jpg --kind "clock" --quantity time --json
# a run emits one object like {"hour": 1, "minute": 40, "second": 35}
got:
{"hour": 11, "minute": 15, "second": 8}
